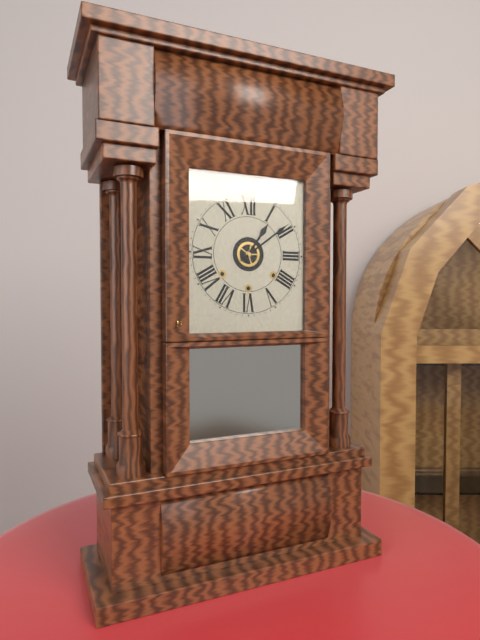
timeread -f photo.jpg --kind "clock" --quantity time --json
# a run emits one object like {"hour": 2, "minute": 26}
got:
{"hour": 1, "minute": 9}
